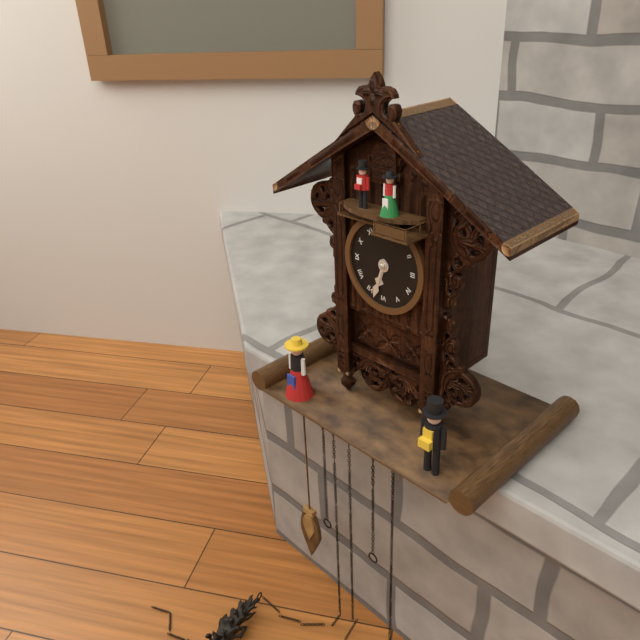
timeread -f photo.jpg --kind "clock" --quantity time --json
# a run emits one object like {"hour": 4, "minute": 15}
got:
{"hour": 6, "minute": 33}
